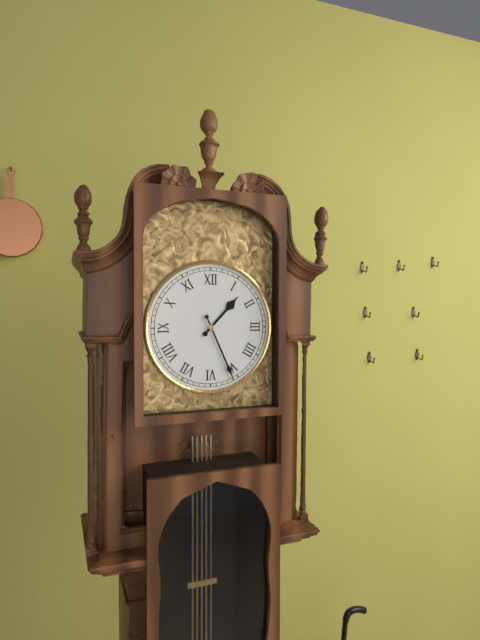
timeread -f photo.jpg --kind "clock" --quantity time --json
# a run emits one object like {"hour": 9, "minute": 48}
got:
{"hour": 1, "minute": 26}
